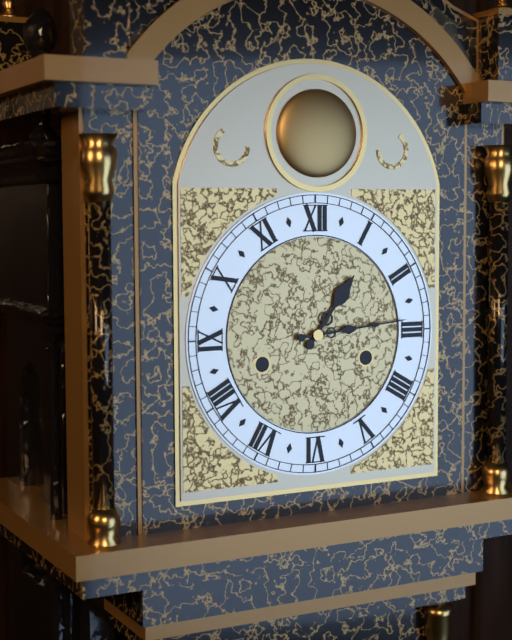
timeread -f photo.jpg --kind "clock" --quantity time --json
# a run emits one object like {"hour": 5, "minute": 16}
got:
{"hour": 1, "minute": 14}
